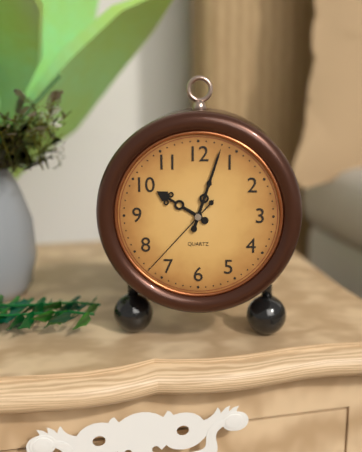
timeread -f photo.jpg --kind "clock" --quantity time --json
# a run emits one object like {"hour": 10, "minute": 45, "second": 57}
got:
{"hour": 10, "minute": 3, "second": 37}
